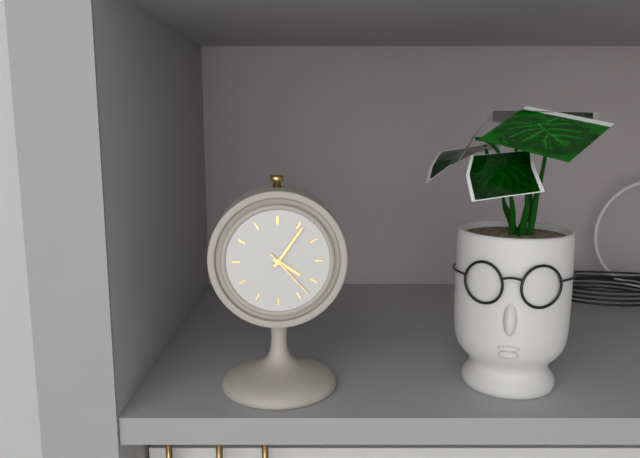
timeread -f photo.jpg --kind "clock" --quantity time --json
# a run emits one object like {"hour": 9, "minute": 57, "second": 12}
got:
{"hour": 4, "minute": 6, "second": 23}
